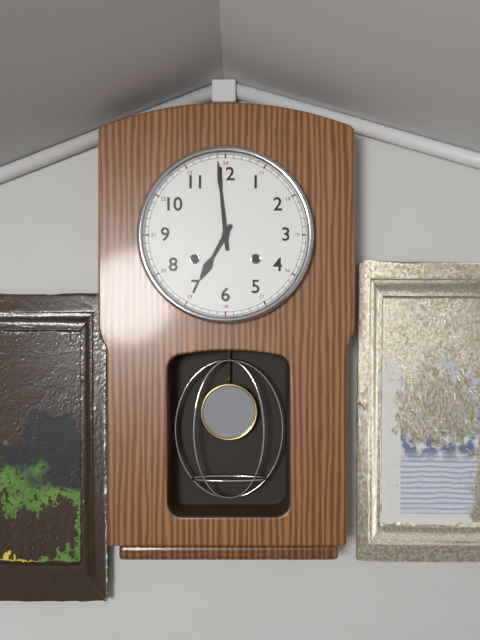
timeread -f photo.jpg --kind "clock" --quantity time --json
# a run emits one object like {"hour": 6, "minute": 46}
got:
{"hour": 6, "minute": 59}
